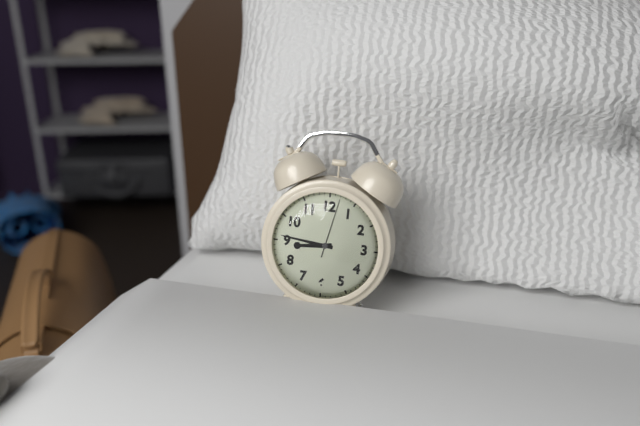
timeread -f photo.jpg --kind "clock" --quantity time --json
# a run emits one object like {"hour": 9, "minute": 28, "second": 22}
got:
{"hour": 8, "minute": 46, "second": 2}
